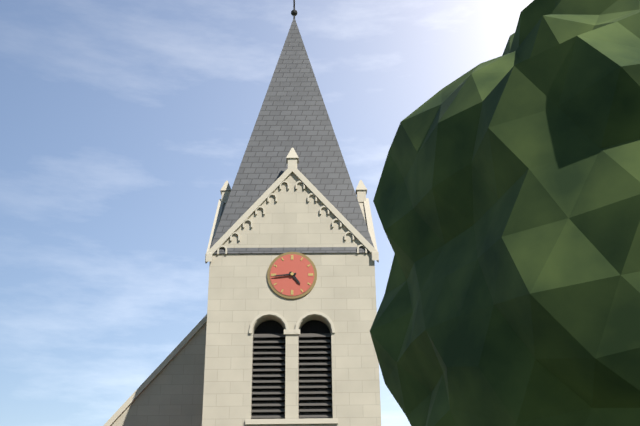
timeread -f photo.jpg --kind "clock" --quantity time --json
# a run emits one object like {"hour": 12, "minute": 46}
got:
{"hour": 4, "minute": 44}
